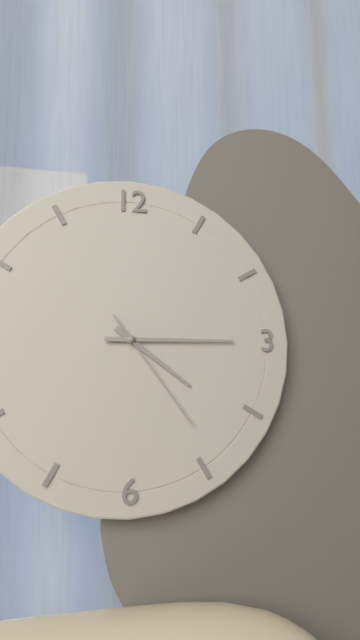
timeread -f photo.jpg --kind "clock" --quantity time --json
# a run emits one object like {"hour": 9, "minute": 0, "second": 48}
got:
{"hour": 4, "minute": 15, "second": 24}
